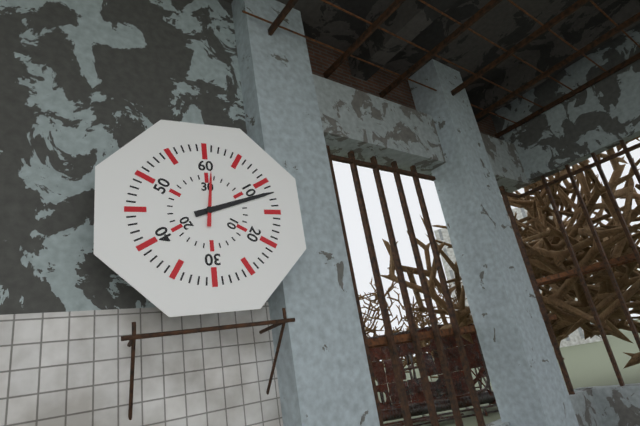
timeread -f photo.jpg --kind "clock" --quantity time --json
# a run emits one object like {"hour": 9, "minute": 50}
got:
{"hour": 12, "minute": 12}
